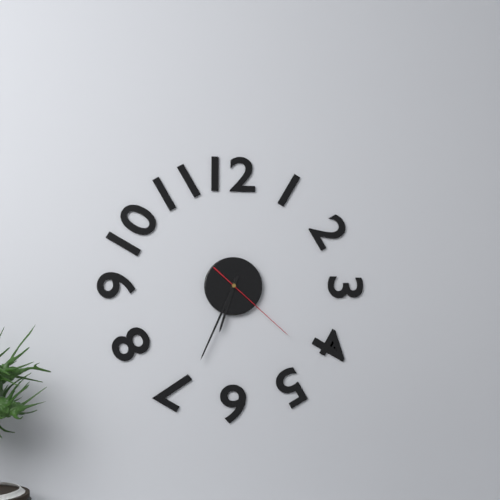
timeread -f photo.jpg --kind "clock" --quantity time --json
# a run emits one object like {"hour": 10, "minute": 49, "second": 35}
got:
{"hour": 6, "minute": 34, "second": 22}
